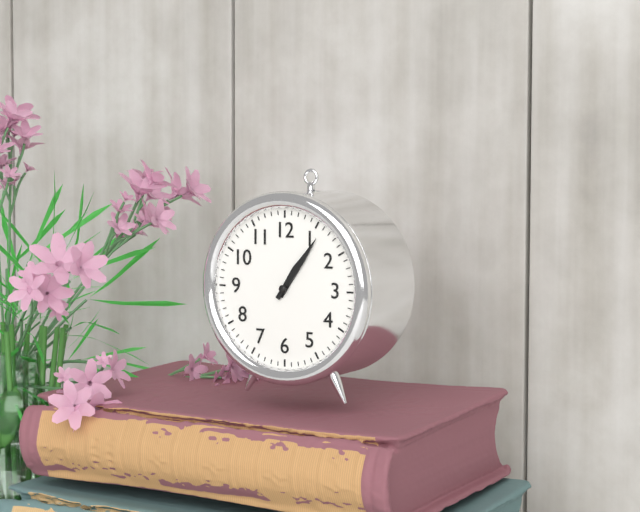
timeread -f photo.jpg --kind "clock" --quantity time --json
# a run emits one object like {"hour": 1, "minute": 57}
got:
{"hour": 1, "minute": 6}
